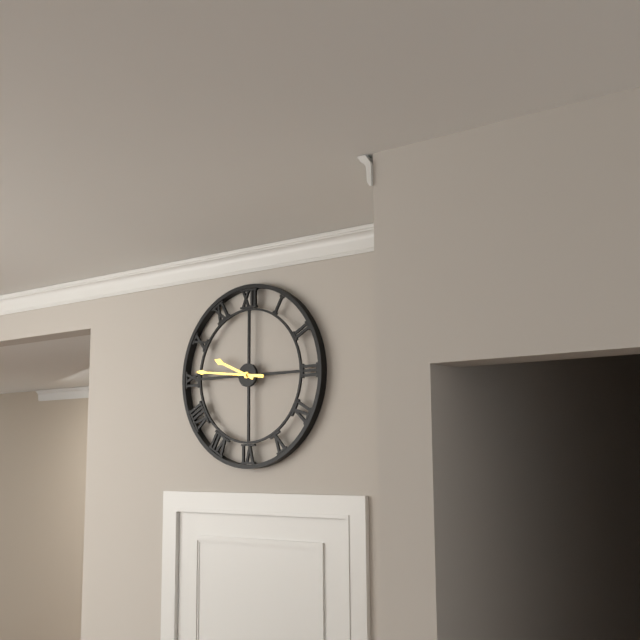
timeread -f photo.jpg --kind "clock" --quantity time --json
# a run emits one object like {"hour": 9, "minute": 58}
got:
{"hour": 9, "minute": 46}
